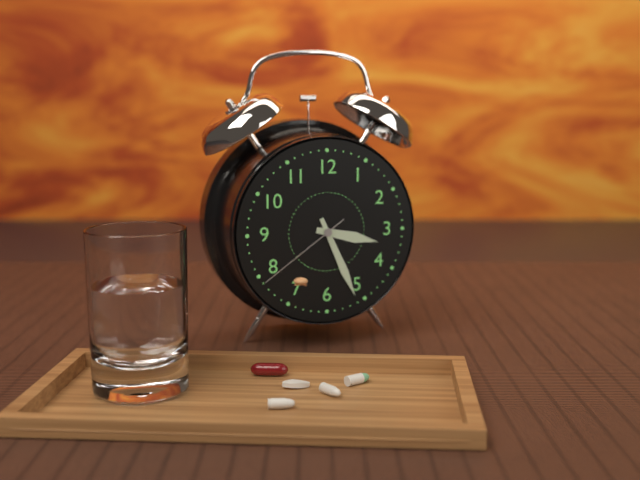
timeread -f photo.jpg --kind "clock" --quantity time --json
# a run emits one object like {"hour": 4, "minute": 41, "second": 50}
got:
{"hour": 3, "minute": 26, "second": 39}
